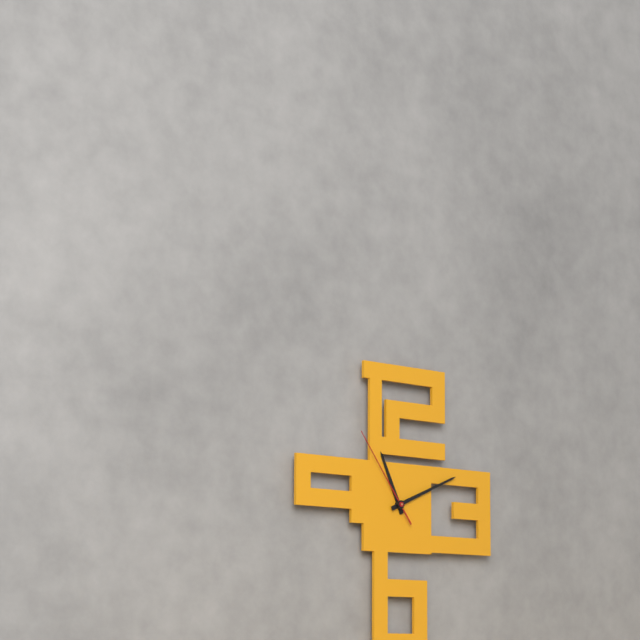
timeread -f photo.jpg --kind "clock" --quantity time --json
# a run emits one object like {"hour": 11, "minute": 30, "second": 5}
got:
{"hour": 11, "minute": 11, "second": 54}
